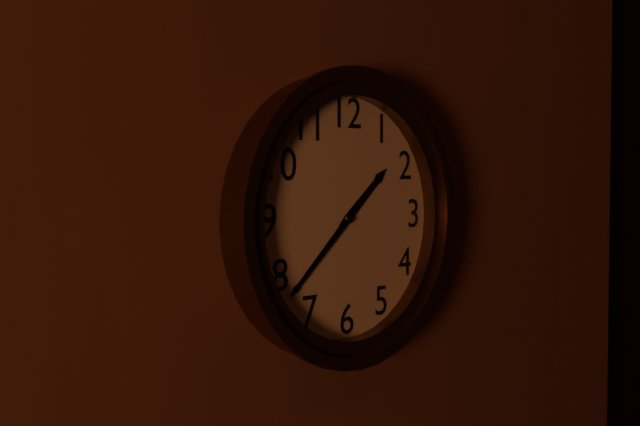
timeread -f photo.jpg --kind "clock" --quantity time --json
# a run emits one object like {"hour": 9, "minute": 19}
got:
{"hour": 1, "minute": 38}
